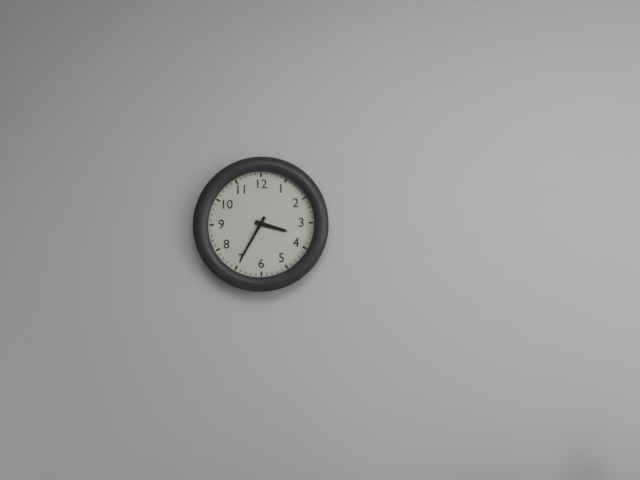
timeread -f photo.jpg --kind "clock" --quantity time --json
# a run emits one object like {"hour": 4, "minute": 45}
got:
{"hour": 3, "minute": 35}
